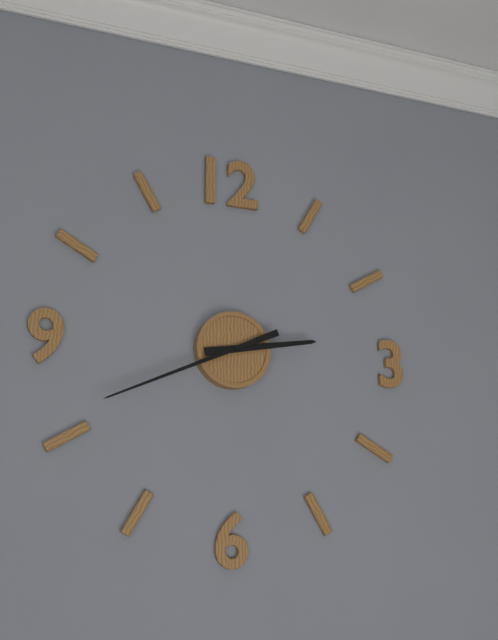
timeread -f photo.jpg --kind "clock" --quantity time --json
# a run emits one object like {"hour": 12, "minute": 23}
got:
{"hour": 2, "minute": 41}
